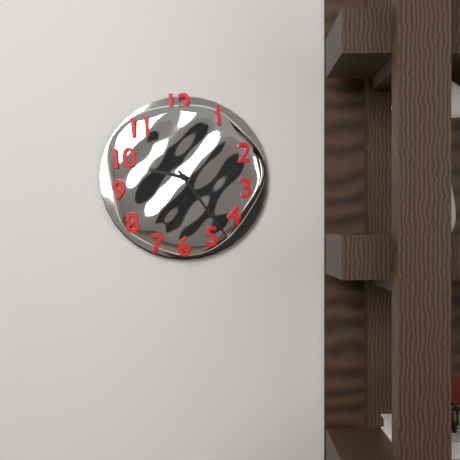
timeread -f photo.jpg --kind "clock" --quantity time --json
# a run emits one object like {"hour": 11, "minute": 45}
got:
{"hour": 9, "minute": 24}
